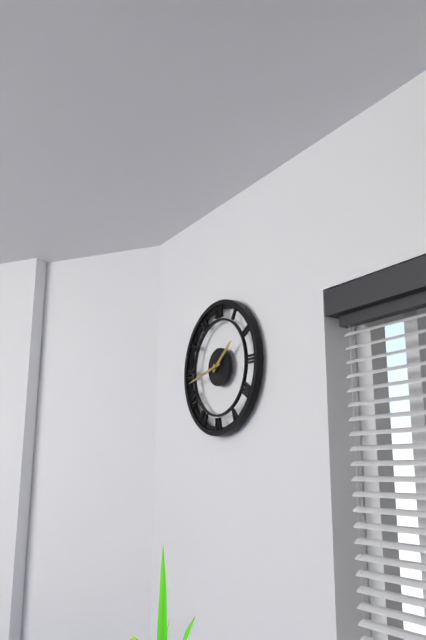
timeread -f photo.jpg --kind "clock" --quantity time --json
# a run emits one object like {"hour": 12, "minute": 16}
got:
{"hour": 1, "minute": 43}
